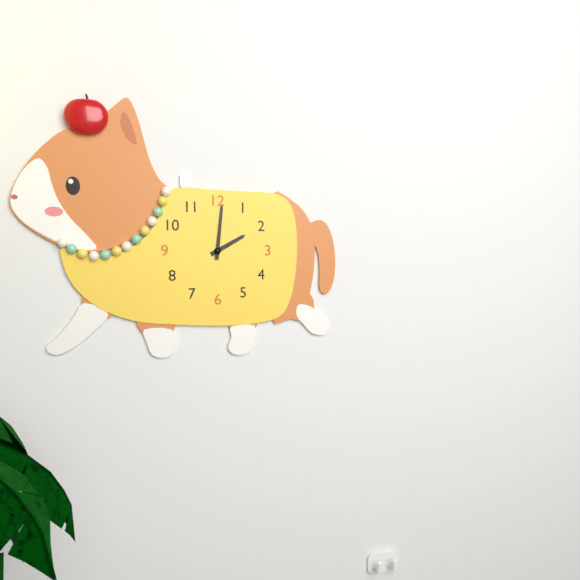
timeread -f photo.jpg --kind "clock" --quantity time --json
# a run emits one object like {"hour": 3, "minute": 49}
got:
{"hour": 2, "minute": 1}
